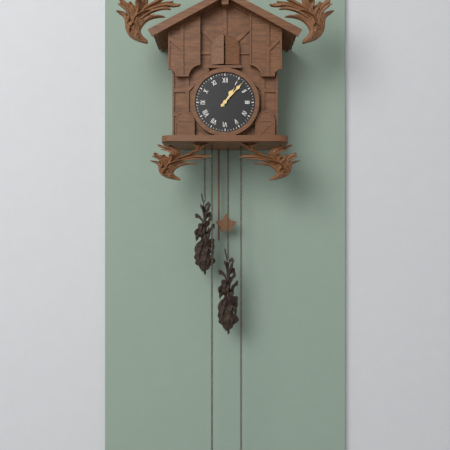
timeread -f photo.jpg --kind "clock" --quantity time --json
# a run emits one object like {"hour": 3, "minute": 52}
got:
{"hour": 1, "minute": 7}
